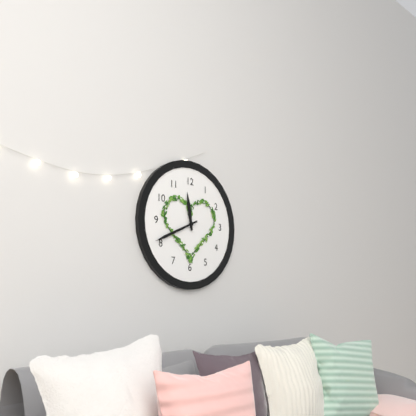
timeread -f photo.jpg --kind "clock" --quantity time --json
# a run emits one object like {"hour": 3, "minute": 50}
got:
{"hour": 11, "minute": 41}
